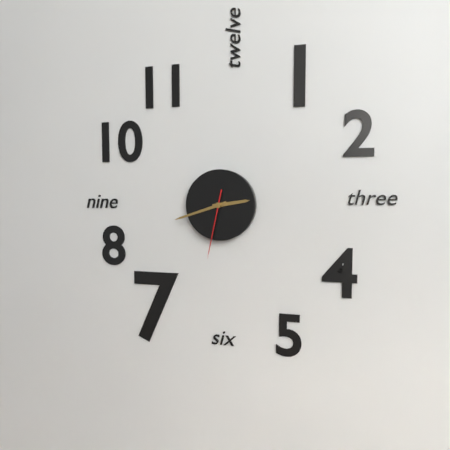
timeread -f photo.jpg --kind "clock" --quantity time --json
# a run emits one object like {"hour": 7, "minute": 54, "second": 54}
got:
{"hour": 2, "minute": 42, "second": 32}
